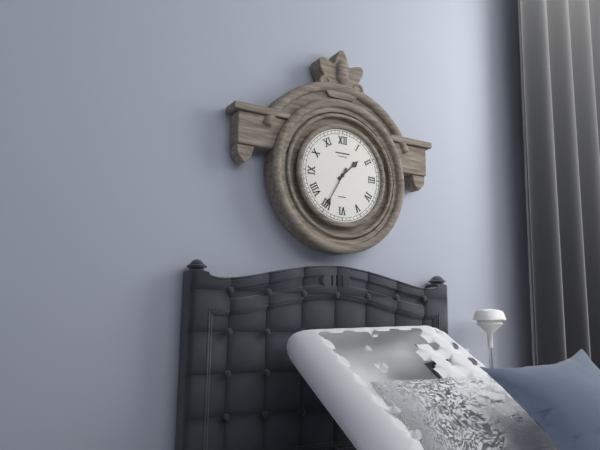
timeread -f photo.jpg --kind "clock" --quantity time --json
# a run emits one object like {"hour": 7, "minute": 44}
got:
{"hour": 1, "minute": 35}
